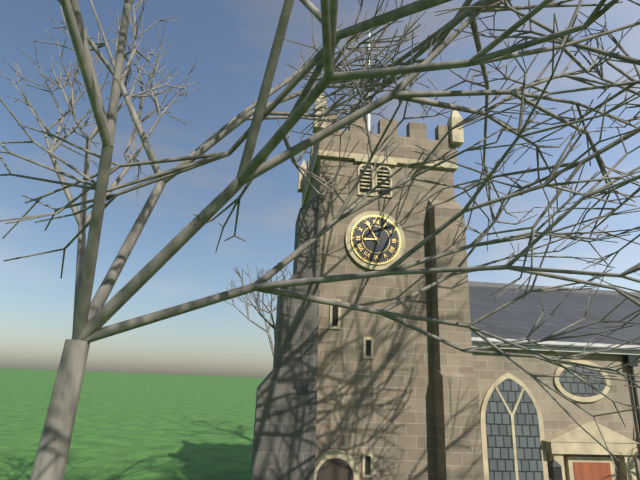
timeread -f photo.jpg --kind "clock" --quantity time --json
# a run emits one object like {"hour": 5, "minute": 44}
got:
{"hour": 8, "minute": 55}
